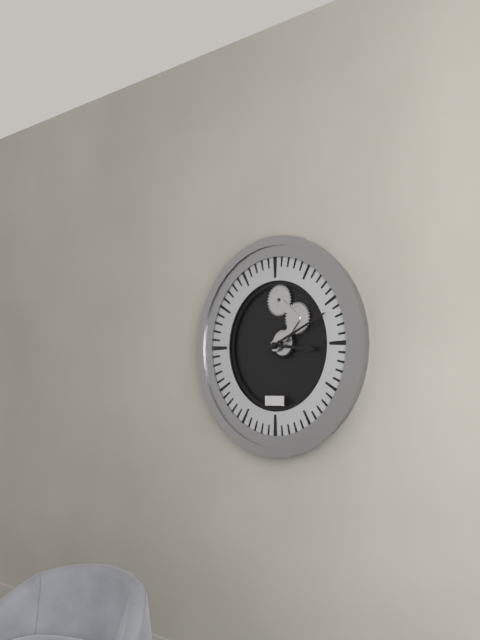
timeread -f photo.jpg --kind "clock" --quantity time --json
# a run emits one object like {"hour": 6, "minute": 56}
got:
{"hour": 3, "minute": 11}
